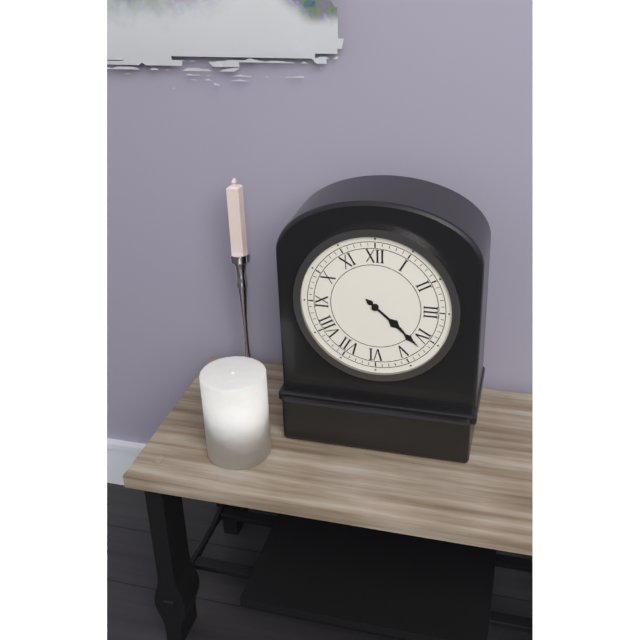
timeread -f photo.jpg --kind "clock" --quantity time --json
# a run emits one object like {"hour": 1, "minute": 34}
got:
{"hour": 4, "minute": 22}
